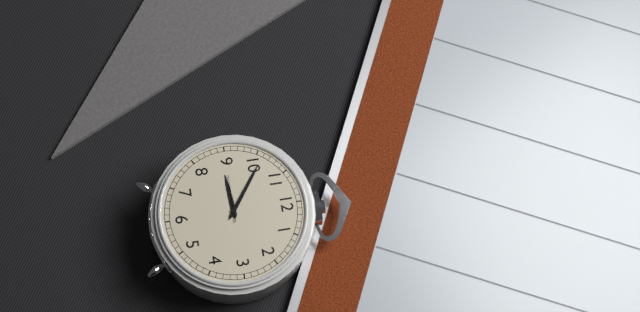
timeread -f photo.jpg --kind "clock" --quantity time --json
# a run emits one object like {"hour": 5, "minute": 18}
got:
{"hour": 8, "minute": 51}
